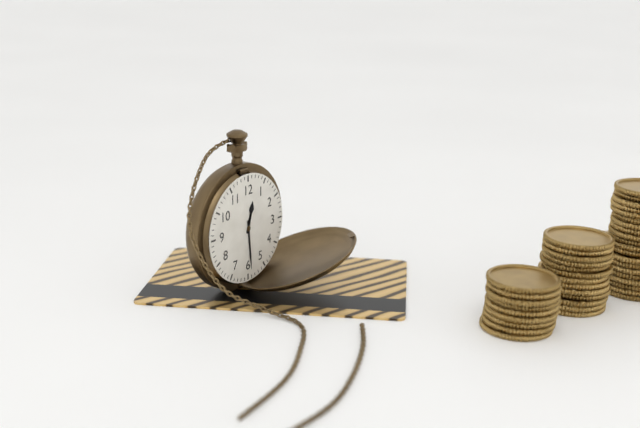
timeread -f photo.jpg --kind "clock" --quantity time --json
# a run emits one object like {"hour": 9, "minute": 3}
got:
{"hour": 12, "minute": 29}
